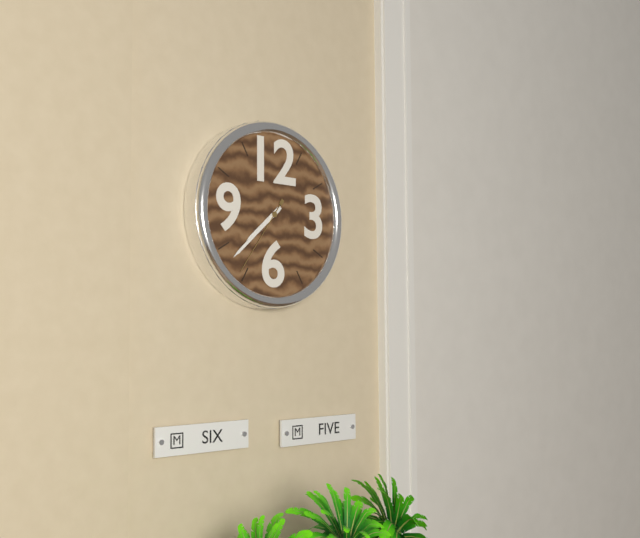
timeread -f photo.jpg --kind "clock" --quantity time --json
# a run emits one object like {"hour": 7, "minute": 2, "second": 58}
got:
{"hour": 7, "minute": 38, "second": 36}
